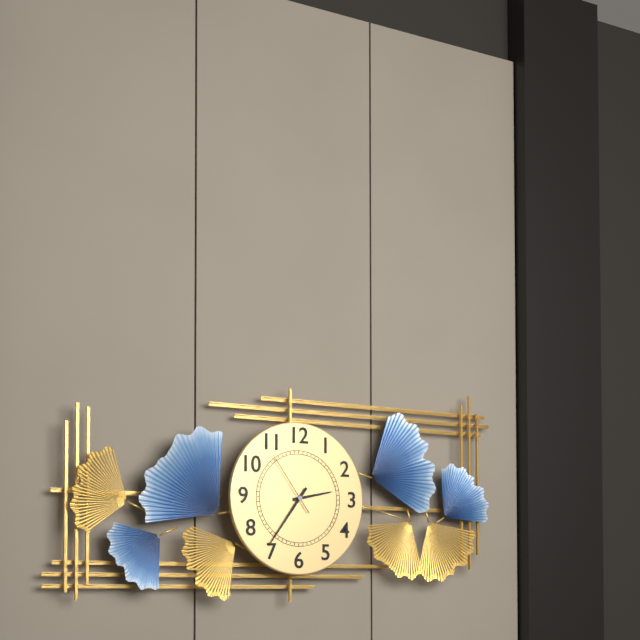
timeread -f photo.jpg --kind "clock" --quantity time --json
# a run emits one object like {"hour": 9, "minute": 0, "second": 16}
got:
{"hour": 2, "minute": 36, "second": 54}
